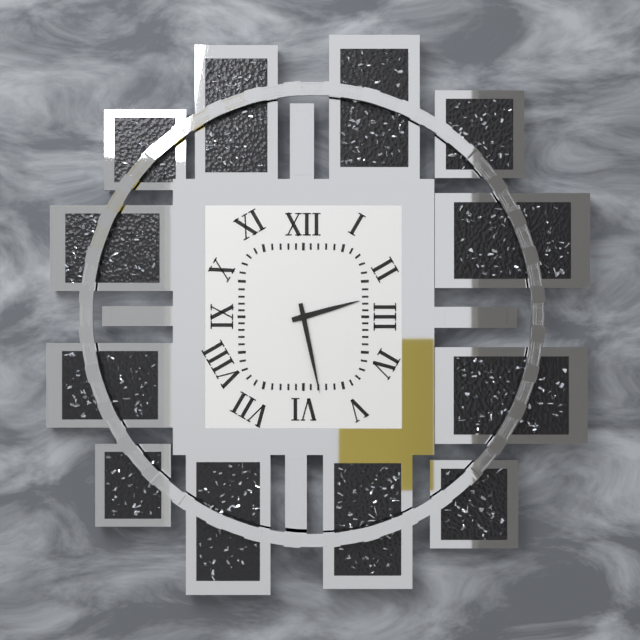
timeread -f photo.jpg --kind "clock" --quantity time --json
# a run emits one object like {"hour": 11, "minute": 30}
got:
{"hour": 2, "minute": 28}
